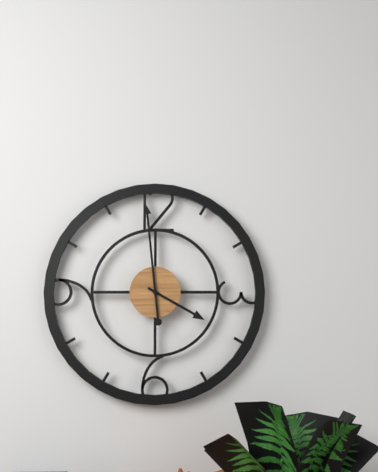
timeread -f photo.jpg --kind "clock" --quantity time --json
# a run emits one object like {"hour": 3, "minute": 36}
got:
{"hour": 3, "minute": 59}
